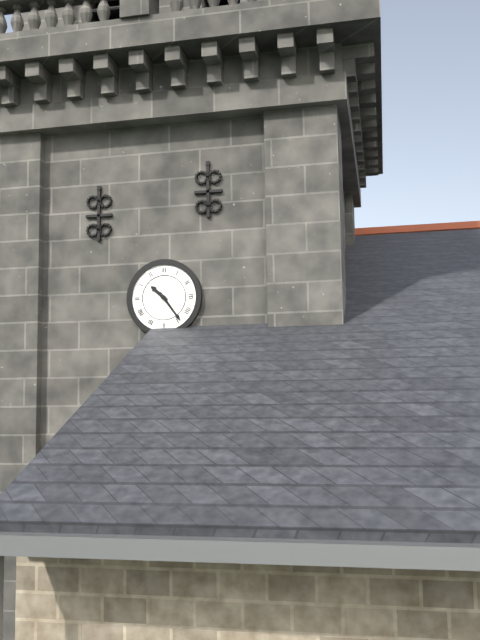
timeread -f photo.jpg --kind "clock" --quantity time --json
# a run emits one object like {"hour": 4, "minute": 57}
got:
{"hour": 10, "minute": 24}
